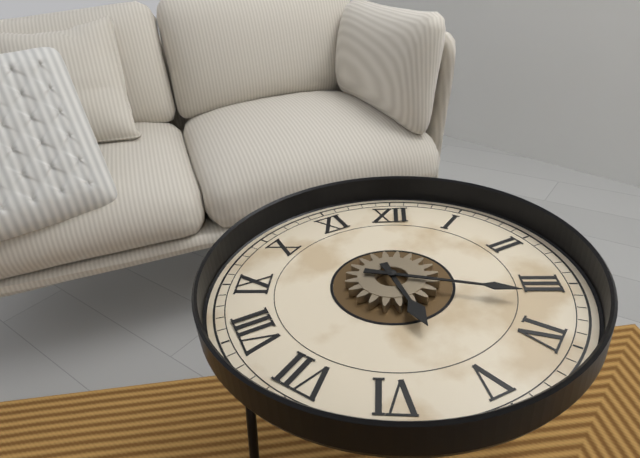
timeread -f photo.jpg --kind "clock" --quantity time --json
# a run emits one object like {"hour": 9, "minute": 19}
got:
{"hour": 5, "minute": 17}
